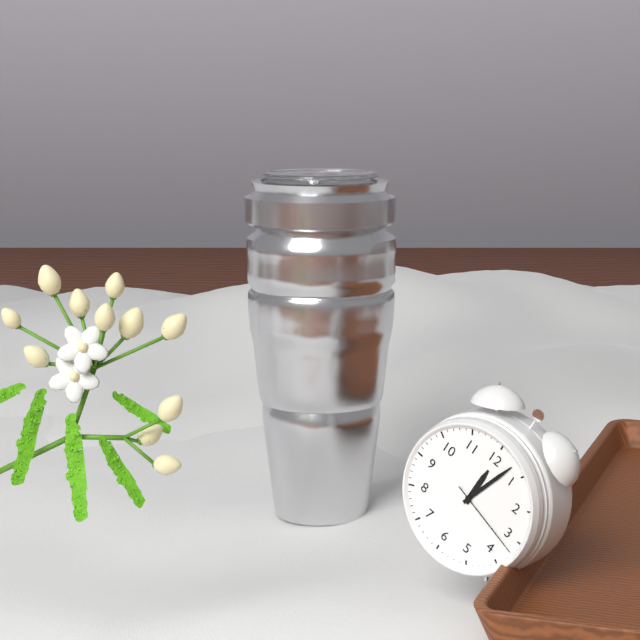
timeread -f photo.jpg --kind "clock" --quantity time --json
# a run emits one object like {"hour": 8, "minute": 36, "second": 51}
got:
{"hour": 12, "minute": 3, "second": 17}
